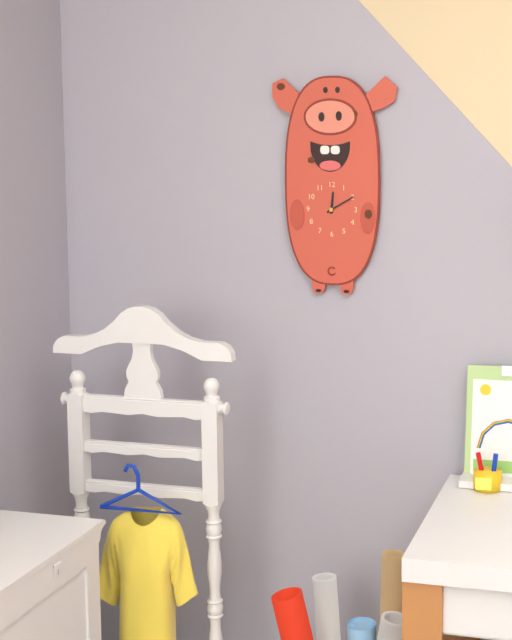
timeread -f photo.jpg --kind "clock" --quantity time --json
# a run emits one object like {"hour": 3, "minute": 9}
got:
{"hour": 12, "minute": 10}
